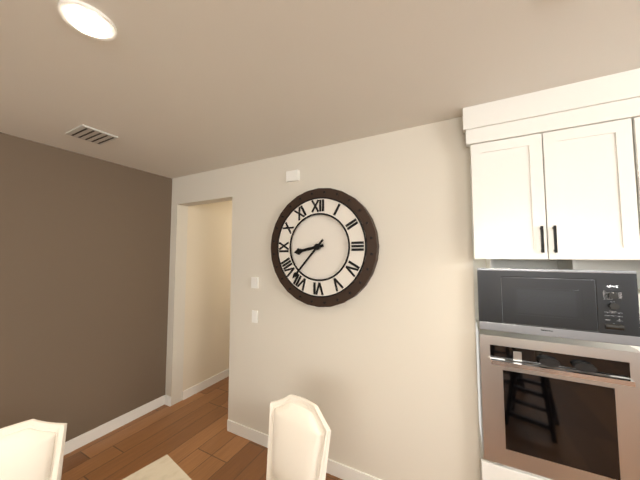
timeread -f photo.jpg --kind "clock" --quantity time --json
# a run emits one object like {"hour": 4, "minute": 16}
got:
{"hour": 8, "minute": 37}
